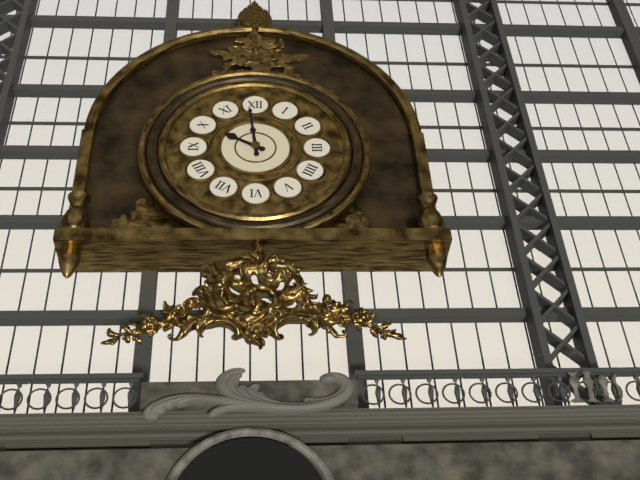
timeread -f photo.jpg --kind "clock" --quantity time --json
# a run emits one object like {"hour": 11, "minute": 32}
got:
{"hour": 9, "minute": 59}
